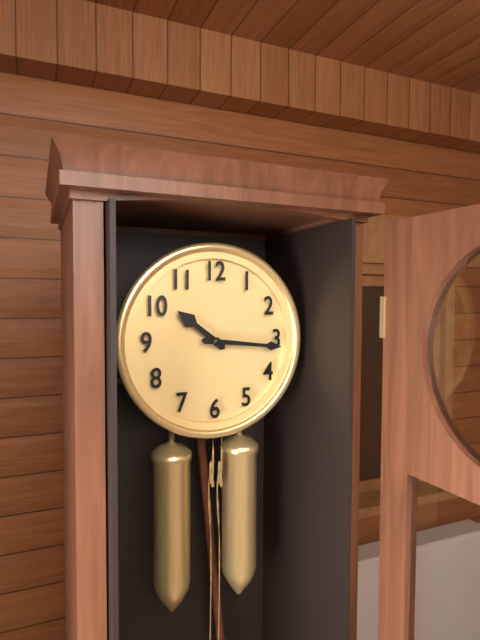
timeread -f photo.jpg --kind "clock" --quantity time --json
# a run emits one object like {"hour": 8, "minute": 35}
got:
{"hour": 10, "minute": 16}
